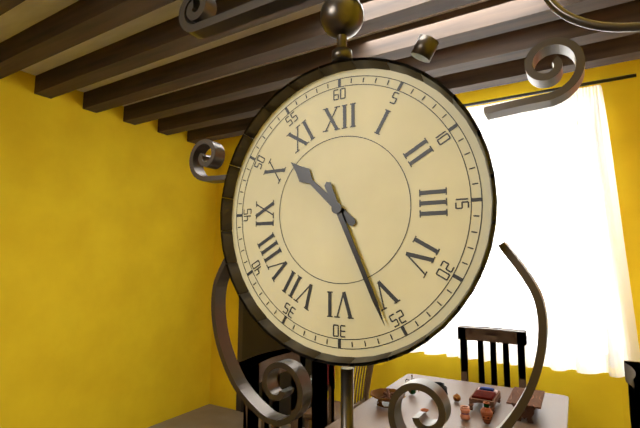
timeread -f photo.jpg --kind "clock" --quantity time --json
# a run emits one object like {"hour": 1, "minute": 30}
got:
{"hour": 10, "minute": 26}
